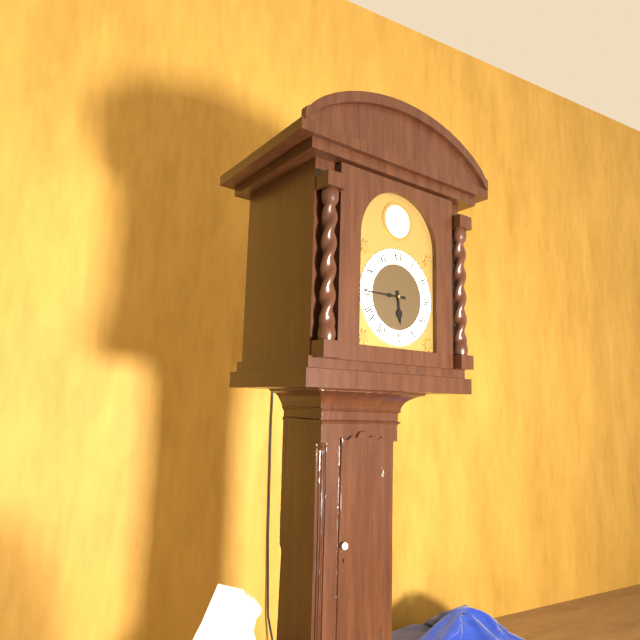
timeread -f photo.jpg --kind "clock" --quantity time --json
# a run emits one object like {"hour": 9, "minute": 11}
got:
{"hour": 5, "minute": 45}
